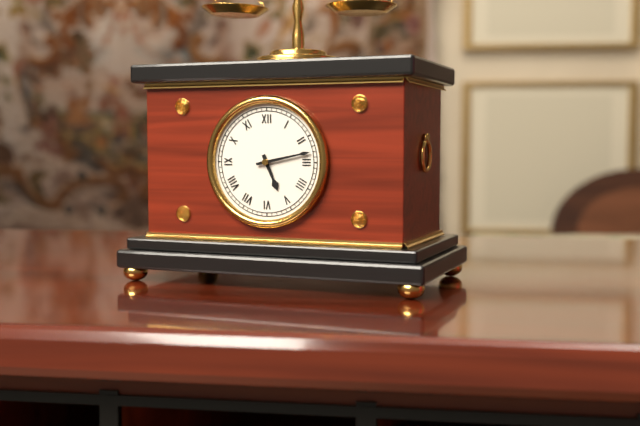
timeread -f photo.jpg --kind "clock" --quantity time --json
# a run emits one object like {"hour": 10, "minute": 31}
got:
{"hour": 5, "minute": 13}
